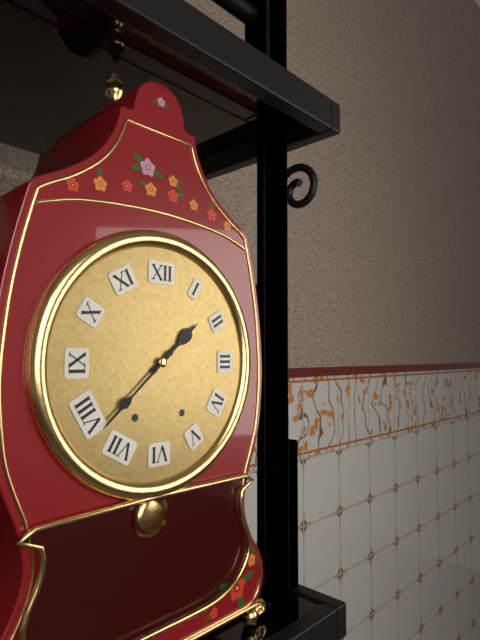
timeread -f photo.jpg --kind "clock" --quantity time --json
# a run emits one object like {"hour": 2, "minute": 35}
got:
{"hour": 1, "minute": 38}
